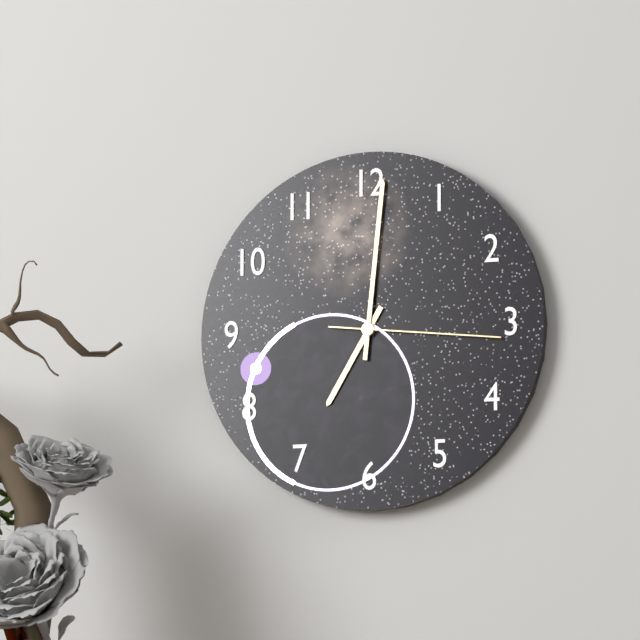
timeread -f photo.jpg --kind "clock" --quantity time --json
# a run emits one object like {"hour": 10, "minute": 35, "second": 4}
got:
{"hour": 7, "minute": 1, "second": 16}
